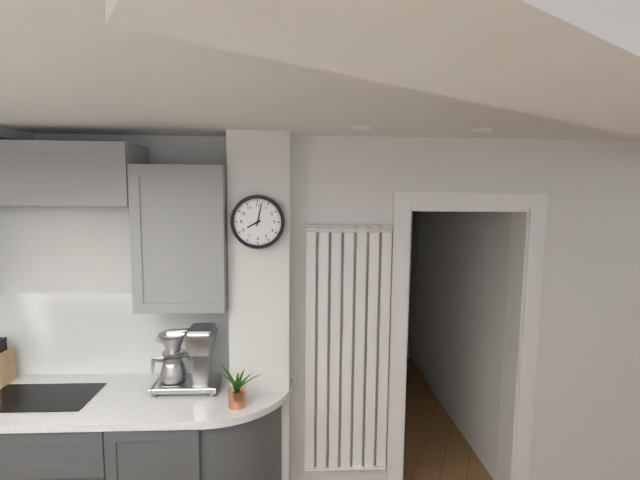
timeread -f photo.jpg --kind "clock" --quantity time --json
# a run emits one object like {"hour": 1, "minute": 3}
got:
{"hour": 8, "minute": 2}
